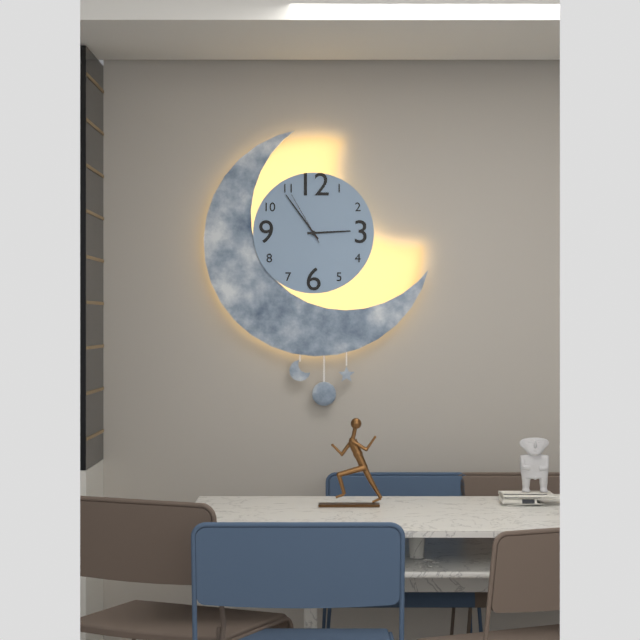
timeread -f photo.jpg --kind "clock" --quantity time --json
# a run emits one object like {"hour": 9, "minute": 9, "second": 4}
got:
{"hour": 2, "minute": 54, "second": 55}
